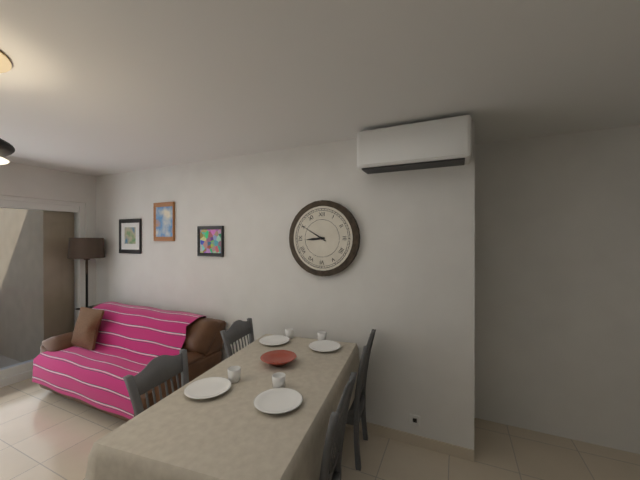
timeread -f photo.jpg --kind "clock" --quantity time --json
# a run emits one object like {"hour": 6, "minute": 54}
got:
{"hour": 8, "minute": 50}
